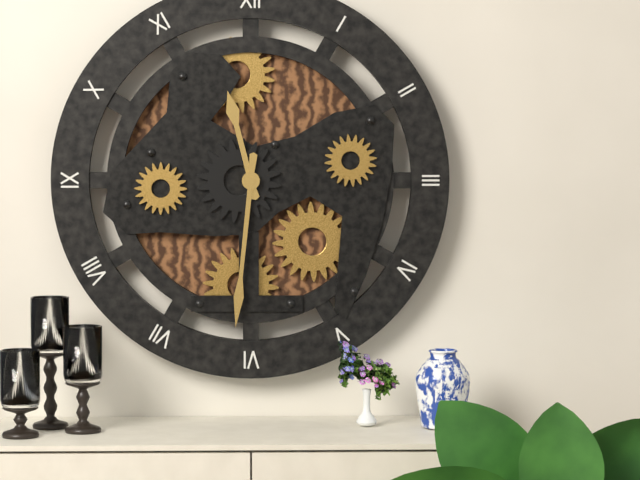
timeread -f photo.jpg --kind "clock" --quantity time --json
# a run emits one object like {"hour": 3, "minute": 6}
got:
{"hour": 11, "minute": 31}
